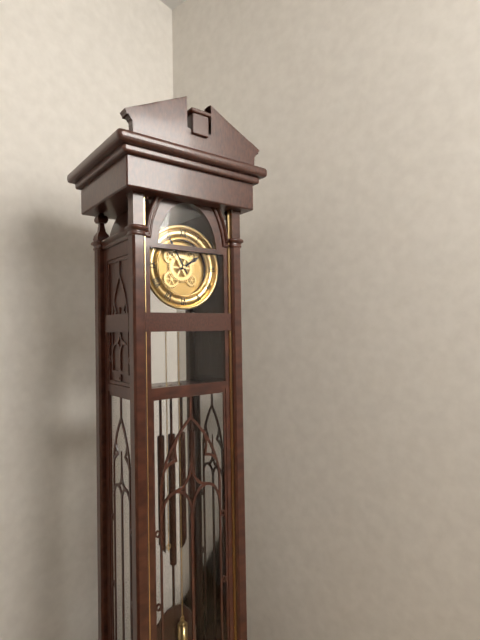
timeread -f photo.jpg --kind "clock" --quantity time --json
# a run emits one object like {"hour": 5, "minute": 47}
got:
{"hour": 1, "minute": 55}
